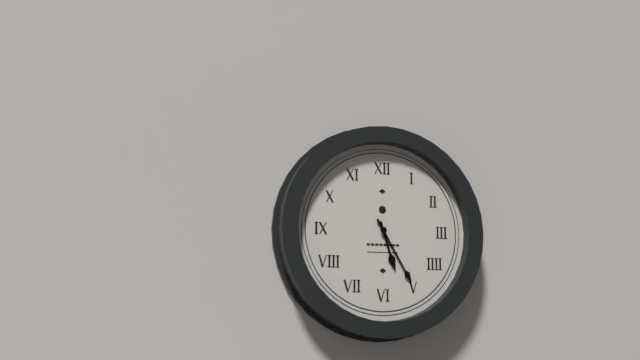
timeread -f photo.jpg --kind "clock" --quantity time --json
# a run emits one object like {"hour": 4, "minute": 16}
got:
{"hour": 5, "minute": 25}
